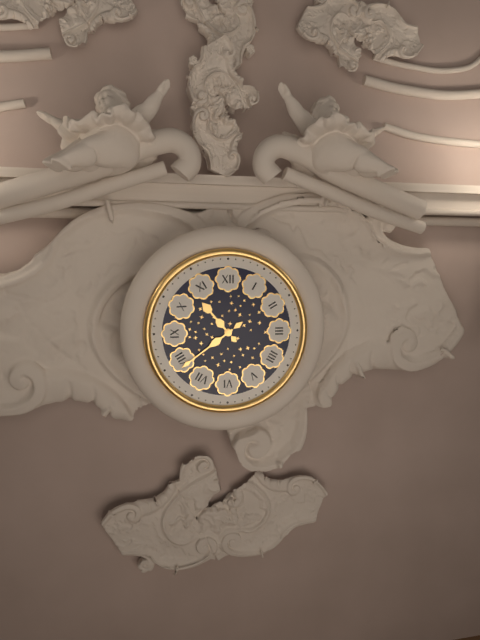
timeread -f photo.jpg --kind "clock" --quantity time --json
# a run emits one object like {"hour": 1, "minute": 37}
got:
{"hour": 10, "minute": 39}
